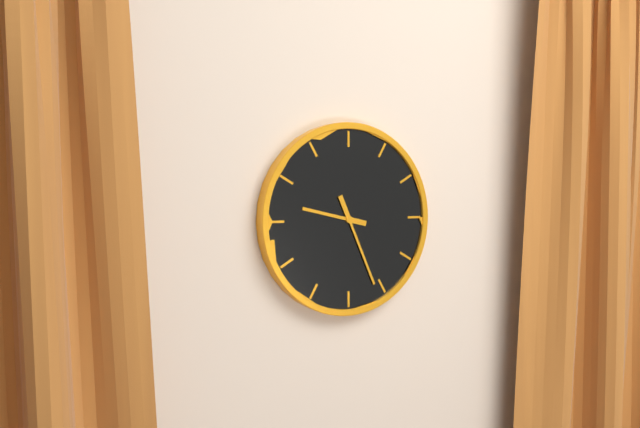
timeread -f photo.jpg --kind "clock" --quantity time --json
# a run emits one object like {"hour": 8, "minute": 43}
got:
{"hour": 9, "minute": 26}
